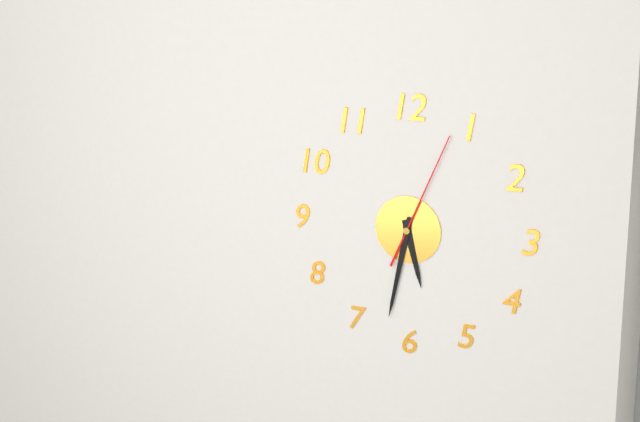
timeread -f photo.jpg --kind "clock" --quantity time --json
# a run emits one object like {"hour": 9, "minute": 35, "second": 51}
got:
{"hour": 5, "minute": 32, "second": 4}
